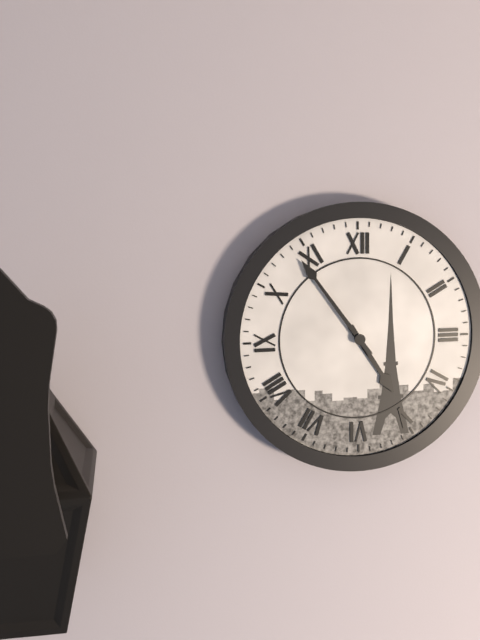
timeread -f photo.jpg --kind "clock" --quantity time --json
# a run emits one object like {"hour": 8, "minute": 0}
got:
{"hour": 4, "minute": 54}
